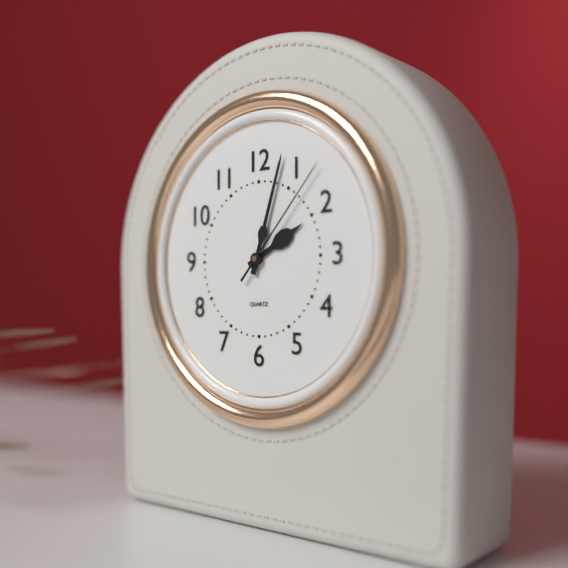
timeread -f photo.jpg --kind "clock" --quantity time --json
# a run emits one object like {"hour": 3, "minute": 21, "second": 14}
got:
{"hour": 2, "minute": 3, "second": 7}
